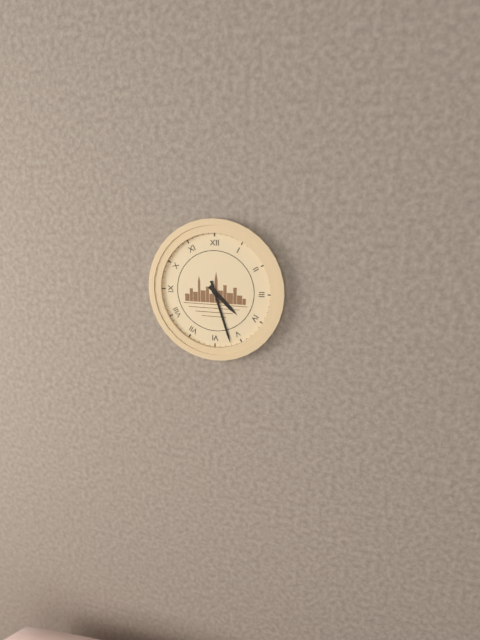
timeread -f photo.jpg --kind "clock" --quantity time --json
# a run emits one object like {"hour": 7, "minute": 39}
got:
{"hour": 4, "minute": 27}
